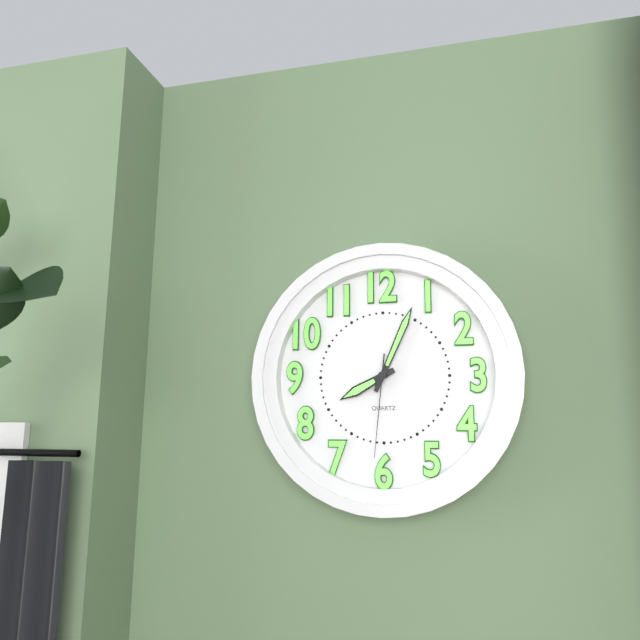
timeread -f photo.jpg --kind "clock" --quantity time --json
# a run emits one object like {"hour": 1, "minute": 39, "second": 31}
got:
{"hour": 8, "minute": 4, "second": 31}
